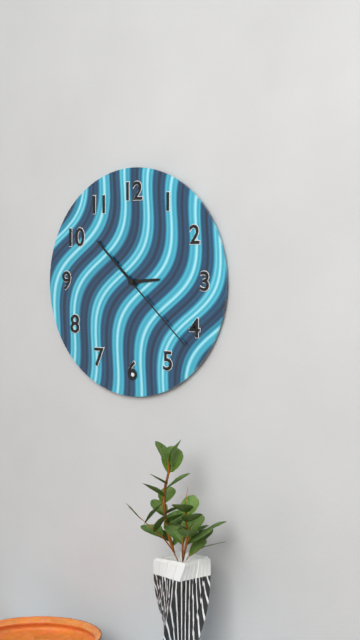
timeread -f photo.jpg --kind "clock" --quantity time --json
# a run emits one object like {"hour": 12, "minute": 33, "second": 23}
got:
{"hour": 2, "minute": 52, "second": 22}
